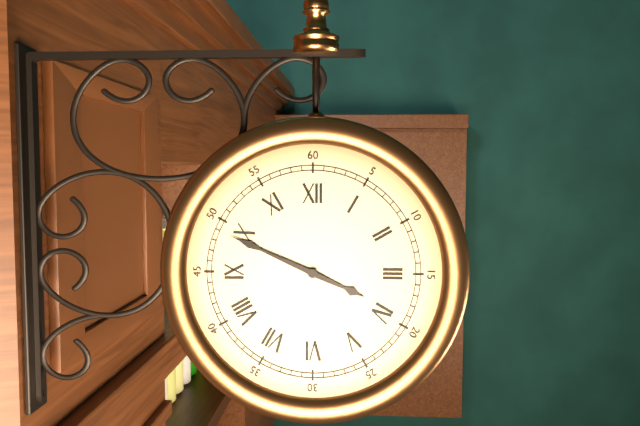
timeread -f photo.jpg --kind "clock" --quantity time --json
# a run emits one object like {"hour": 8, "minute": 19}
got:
{"hour": 3, "minute": 49}
